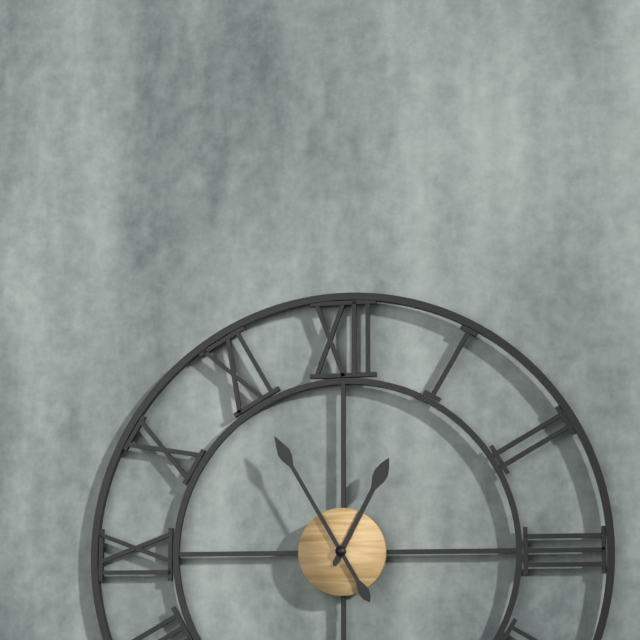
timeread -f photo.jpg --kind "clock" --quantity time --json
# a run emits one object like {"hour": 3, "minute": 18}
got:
{"hour": 12, "minute": 55}
